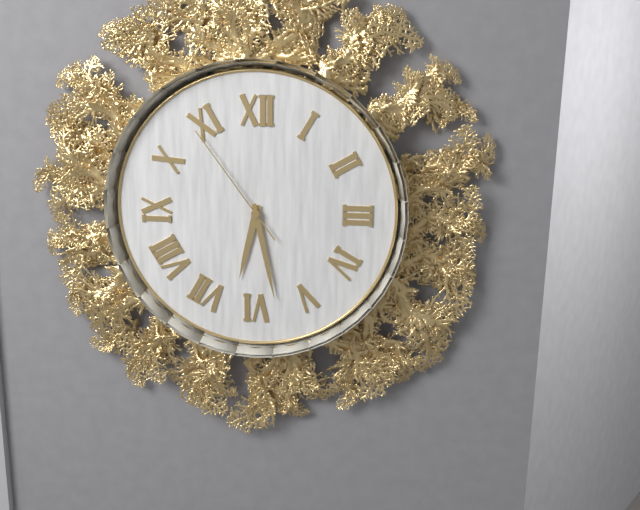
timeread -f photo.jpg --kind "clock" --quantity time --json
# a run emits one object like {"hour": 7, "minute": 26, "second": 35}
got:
{"hour": 6, "minute": 28, "second": 54}
